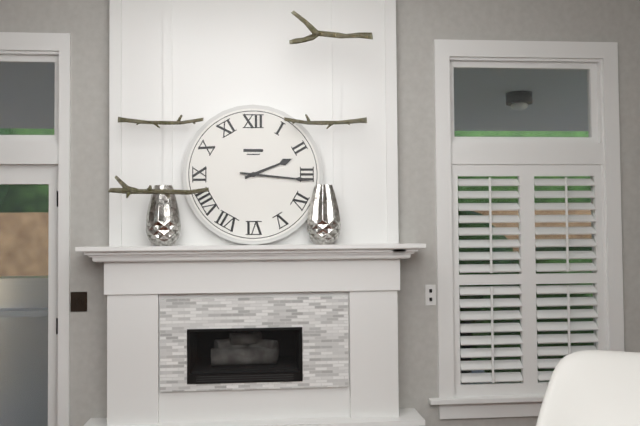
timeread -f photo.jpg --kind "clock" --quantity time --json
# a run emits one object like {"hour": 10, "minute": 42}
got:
{"hour": 2, "minute": 16}
